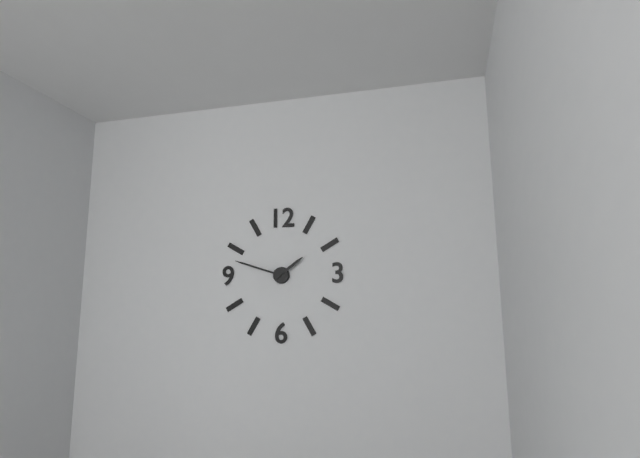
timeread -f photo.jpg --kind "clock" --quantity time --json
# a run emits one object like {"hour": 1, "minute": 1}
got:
{"hour": 1, "minute": 48}
